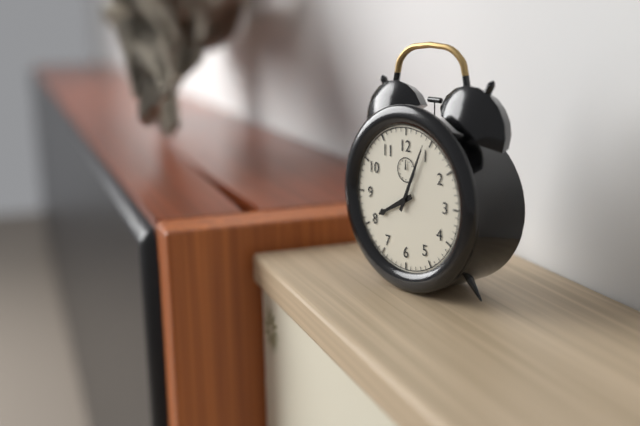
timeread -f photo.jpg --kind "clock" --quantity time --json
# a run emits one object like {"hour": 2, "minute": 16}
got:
{"hour": 8, "minute": 4}
